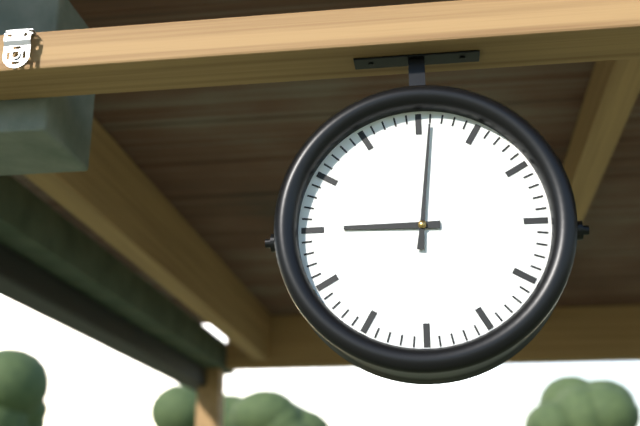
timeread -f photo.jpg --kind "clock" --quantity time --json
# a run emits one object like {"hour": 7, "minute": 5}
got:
{"hour": 9, "minute": 1}
